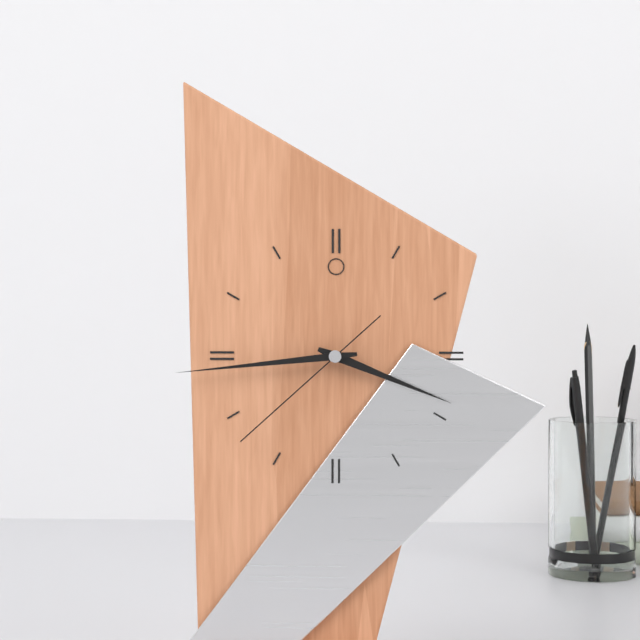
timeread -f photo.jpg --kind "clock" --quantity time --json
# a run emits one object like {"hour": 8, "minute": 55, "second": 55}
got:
{"hour": 3, "minute": 44, "second": 38}
